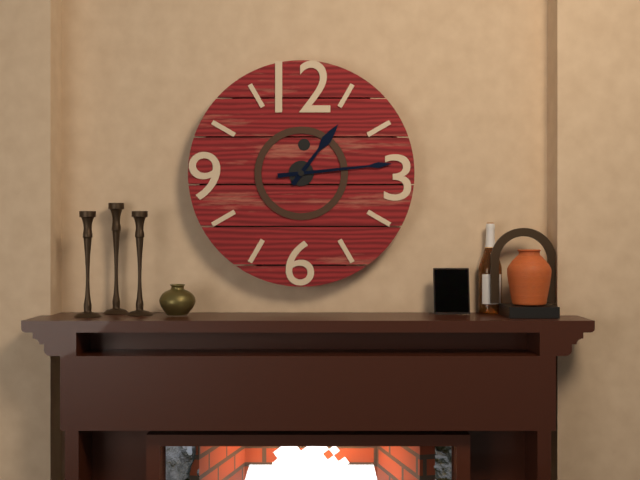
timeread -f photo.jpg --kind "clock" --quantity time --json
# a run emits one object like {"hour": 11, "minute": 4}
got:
{"hour": 1, "minute": 14}
